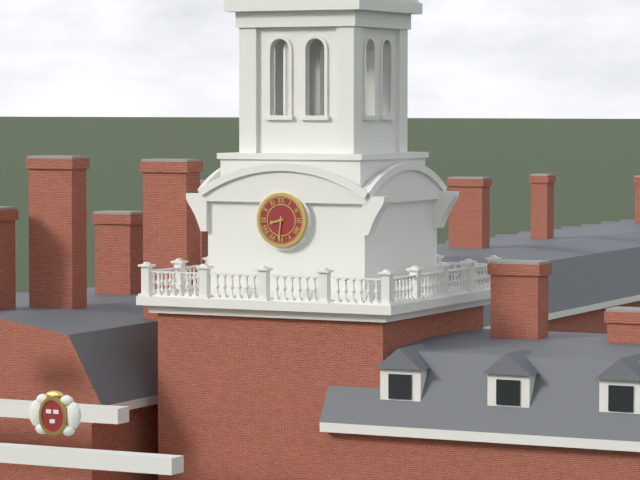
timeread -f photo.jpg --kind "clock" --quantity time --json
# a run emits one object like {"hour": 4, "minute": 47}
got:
{"hour": 8, "minute": 31}
